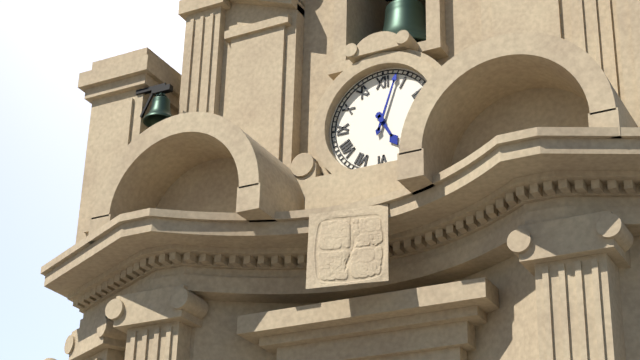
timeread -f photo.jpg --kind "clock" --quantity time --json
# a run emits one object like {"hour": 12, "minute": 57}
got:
{"hour": 5, "minute": 3}
